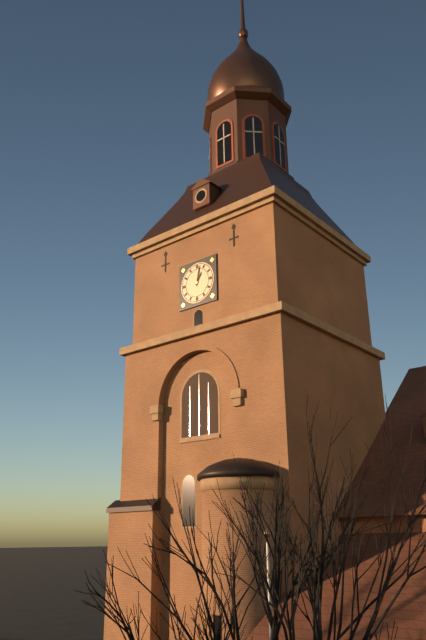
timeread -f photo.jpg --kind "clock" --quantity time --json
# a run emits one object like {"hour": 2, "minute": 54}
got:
{"hour": 1, "minute": 2}
